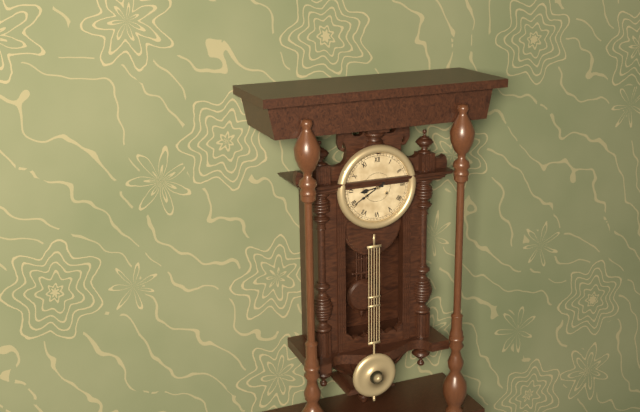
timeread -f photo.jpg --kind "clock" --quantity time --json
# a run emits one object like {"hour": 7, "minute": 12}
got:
{"hour": 8, "minute": 40}
